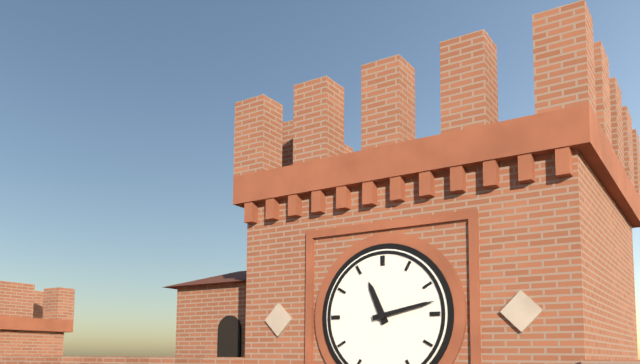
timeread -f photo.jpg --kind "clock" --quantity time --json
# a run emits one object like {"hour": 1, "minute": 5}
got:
{"hour": 11, "minute": 13}
